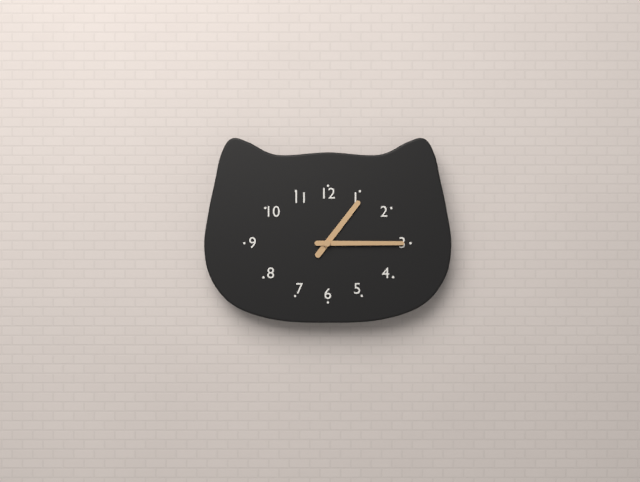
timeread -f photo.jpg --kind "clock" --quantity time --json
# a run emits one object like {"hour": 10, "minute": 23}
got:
{"hour": 1, "minute": 15}
